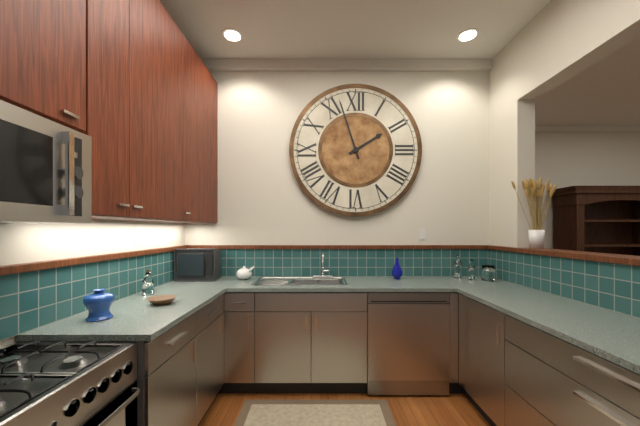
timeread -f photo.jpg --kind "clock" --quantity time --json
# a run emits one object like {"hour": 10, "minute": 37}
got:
{"hour": 1, "minute": 57}
